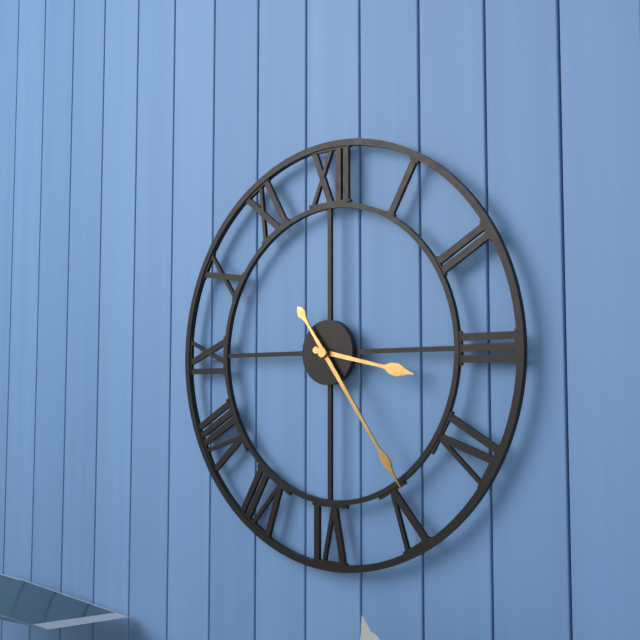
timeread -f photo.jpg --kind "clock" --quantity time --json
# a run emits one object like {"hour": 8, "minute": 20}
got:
{"hour": 3, "minute": 24}
